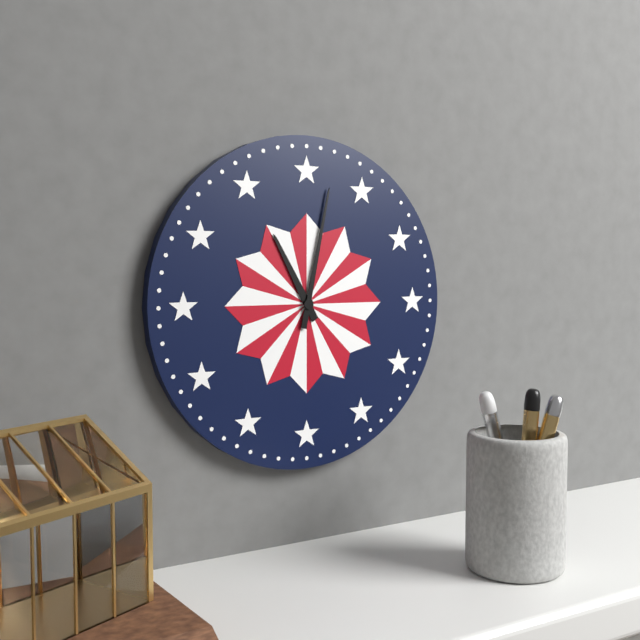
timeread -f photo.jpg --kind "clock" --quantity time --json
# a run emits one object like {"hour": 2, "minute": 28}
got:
{"hour": 11, "minute": 2}
